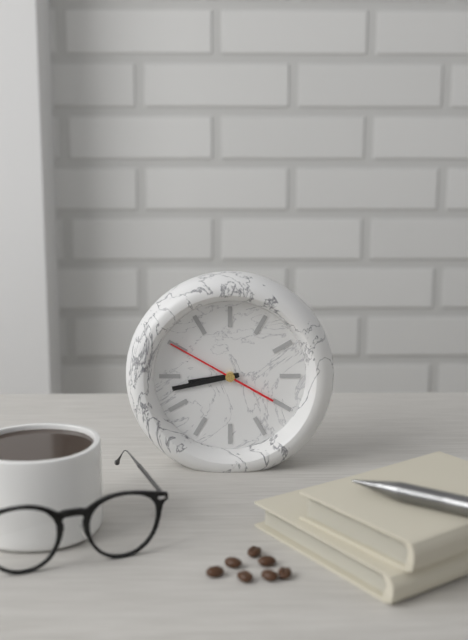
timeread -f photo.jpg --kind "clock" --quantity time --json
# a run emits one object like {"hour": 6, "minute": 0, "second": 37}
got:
{"hour": 8, "minute": 43, "second": 50}
